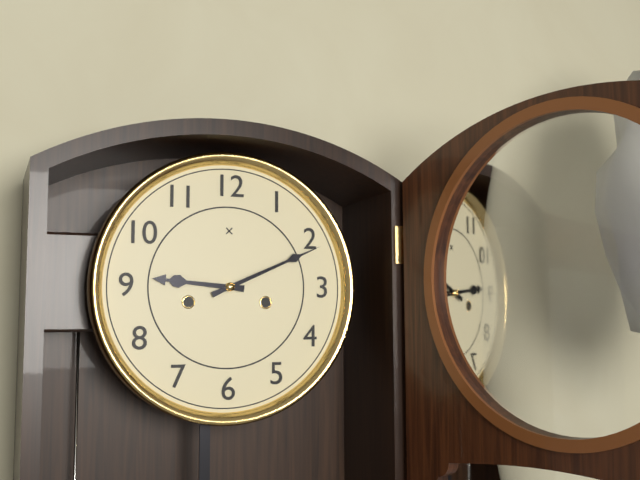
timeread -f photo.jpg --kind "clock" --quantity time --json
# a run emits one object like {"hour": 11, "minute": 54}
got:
{"hour": 9, "minute": 11}
